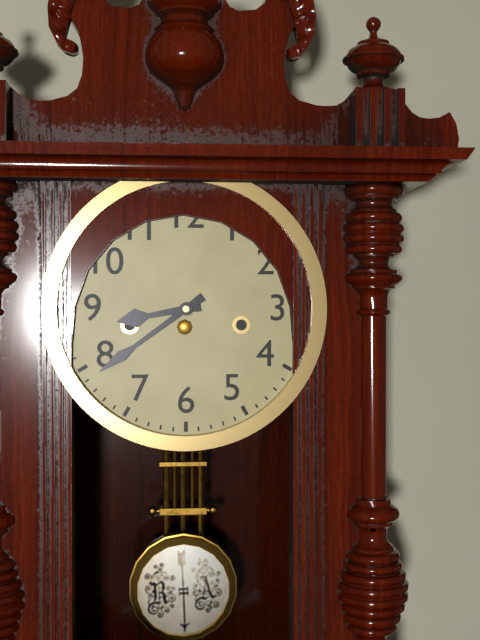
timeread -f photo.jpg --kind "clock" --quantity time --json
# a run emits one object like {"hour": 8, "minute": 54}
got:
{"hour": 8, "minute": 39}
